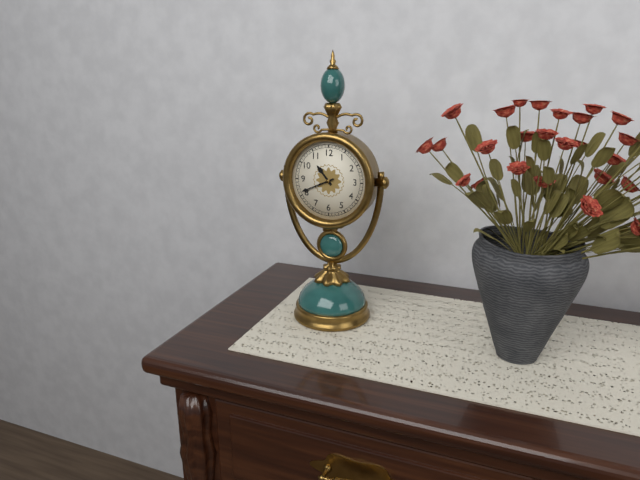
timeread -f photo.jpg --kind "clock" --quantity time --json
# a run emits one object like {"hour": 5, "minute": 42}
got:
{"hour": 10, "minute": 41}
